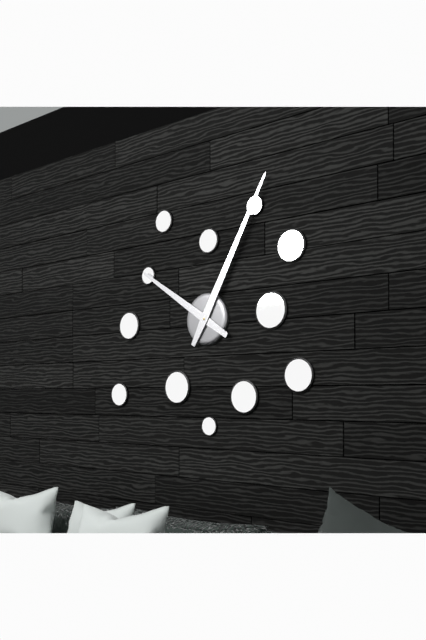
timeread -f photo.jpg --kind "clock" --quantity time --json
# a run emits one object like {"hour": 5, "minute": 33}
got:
{"hour": 10, "minute": 5}
